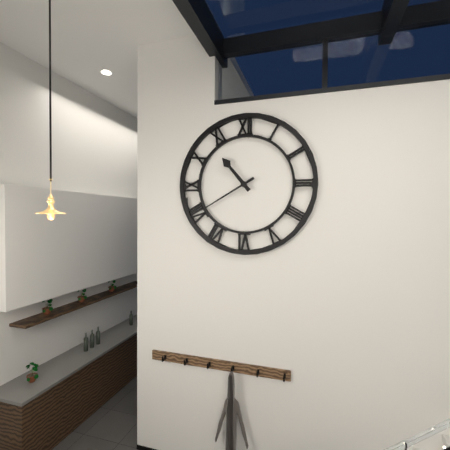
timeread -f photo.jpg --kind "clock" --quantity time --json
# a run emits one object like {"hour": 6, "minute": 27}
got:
{"hour": 10, "minute": 40}
